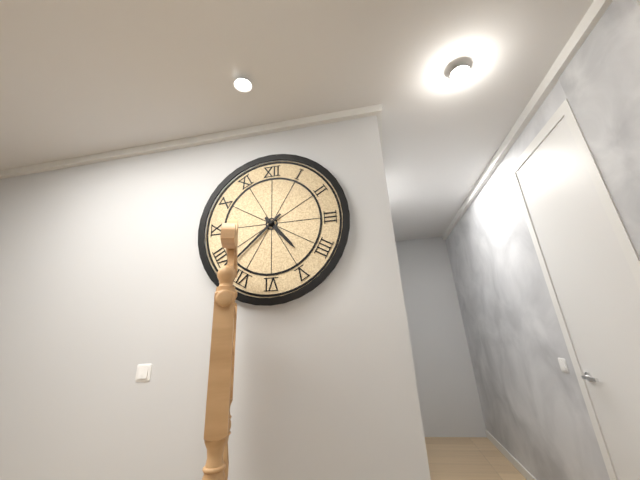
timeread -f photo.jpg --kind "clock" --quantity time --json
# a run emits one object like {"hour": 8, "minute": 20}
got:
{"hour": 4, "minute": 38}
